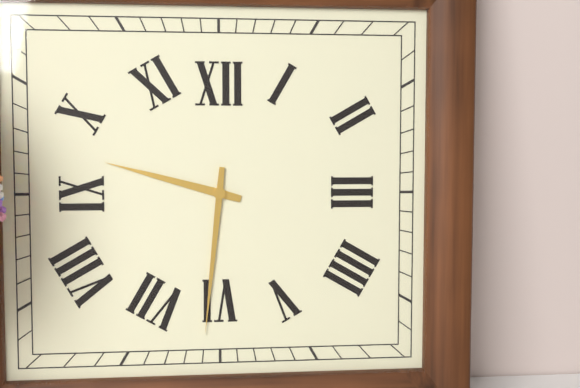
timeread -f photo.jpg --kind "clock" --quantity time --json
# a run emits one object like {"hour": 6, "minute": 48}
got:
{"hour": 9, "minute": 31}
